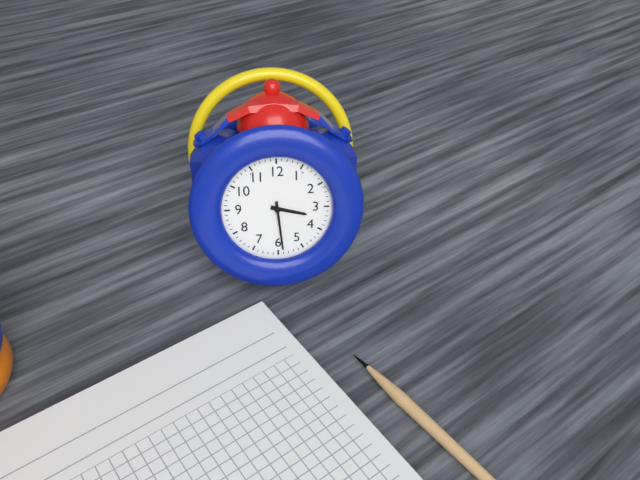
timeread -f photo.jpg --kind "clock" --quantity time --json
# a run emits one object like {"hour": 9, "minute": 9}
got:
{"hour": 3, "minute": 29}
